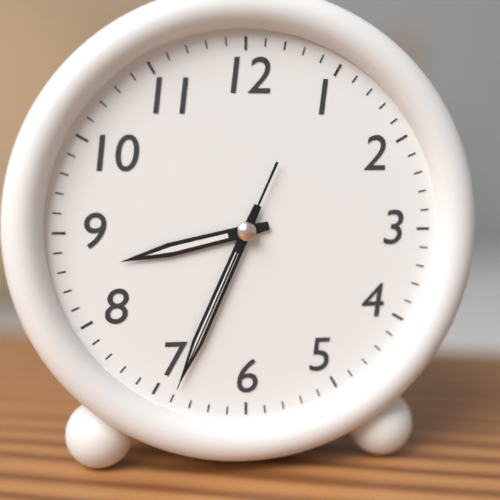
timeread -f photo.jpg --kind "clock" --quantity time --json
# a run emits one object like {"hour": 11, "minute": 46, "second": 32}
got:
{"hour": 8, "minute": 34, "second": 34}
